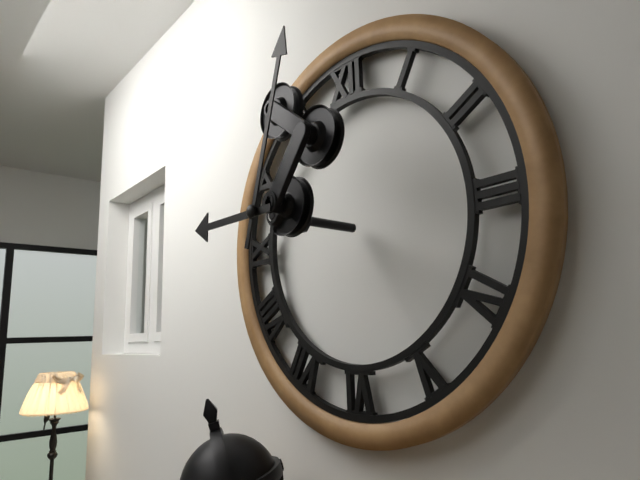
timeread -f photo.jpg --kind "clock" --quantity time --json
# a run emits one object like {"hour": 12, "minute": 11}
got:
{"hour": 9, "minute": 3}
